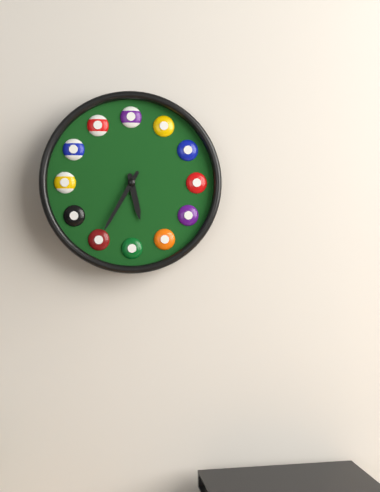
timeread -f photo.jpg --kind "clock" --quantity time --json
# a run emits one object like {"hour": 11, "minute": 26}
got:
{"hour": 5, "minute": 35}
